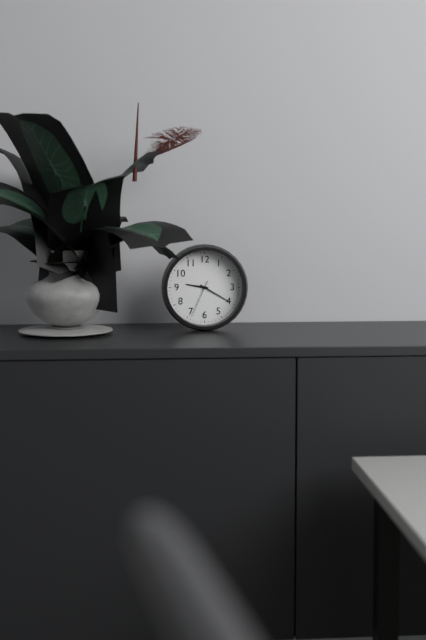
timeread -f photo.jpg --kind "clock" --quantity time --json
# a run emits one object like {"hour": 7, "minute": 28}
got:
{"hour": 9, "minute": 20}
